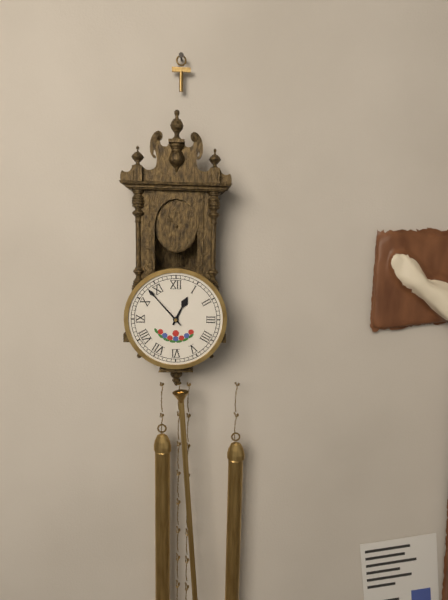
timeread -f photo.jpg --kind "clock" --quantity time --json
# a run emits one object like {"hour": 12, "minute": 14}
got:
{"hour": 12, "minute": 53}
